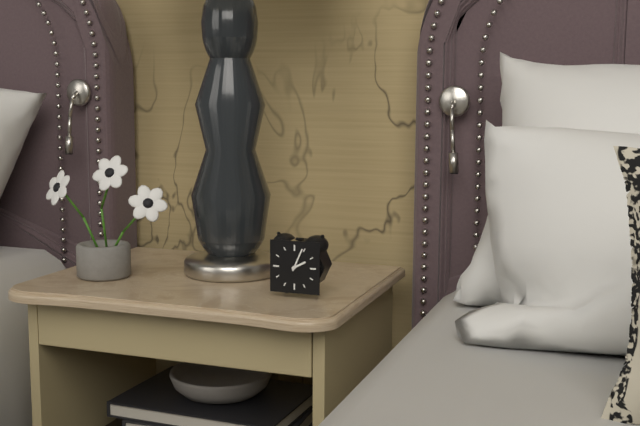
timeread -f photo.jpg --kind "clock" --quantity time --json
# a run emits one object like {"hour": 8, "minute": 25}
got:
{"hour": 2, "minute": 4}
